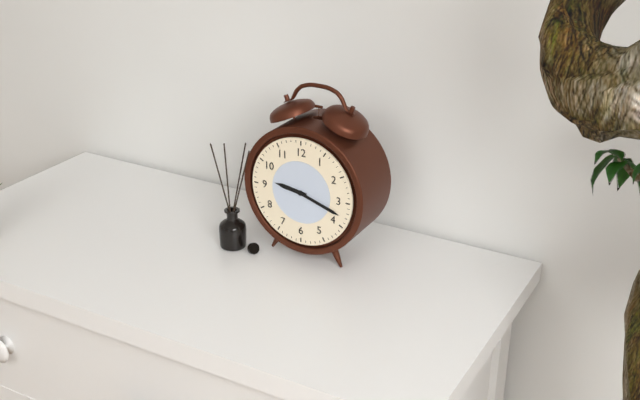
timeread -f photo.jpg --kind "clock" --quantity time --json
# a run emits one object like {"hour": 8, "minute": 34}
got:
{"hour": 9, "minute": 18}
